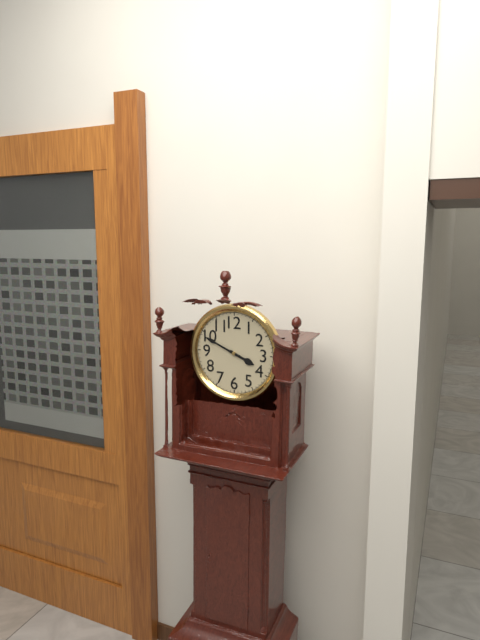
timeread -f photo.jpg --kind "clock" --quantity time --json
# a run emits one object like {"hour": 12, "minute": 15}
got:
{"hour": 3, "minute": 49}
